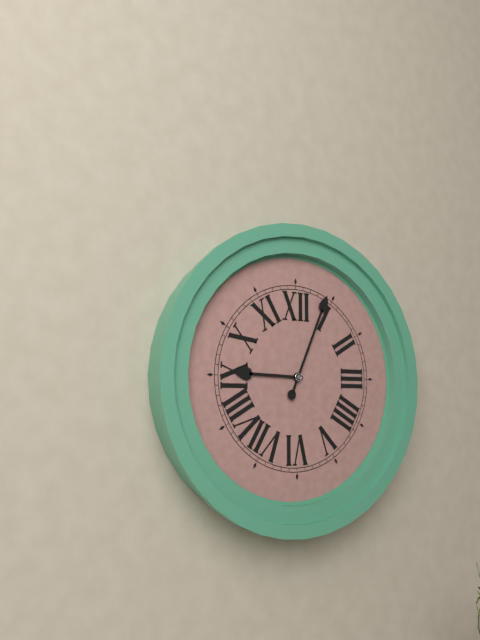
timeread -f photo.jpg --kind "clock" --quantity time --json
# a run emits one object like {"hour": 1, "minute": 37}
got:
{"hour": 9, "minute": 4}
